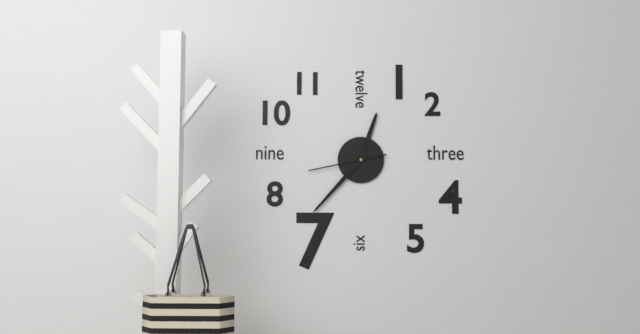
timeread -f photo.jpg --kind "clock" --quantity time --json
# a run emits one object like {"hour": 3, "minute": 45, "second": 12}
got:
{"hour": 12, "minute": 37, "second": 43}
